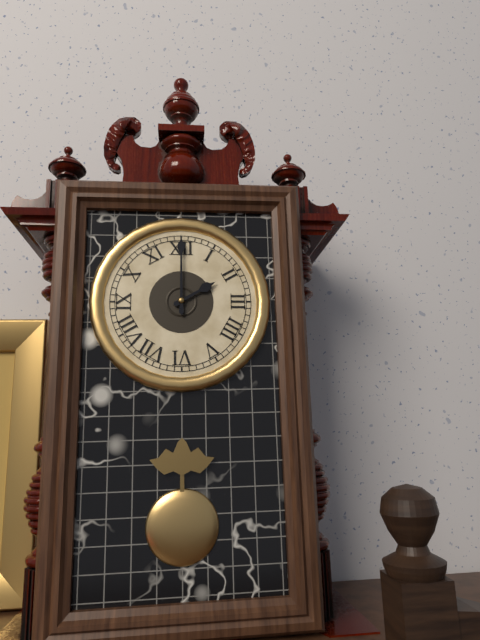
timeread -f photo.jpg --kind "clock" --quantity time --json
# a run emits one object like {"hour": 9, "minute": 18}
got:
{"hour": 2, "minute": 0}
